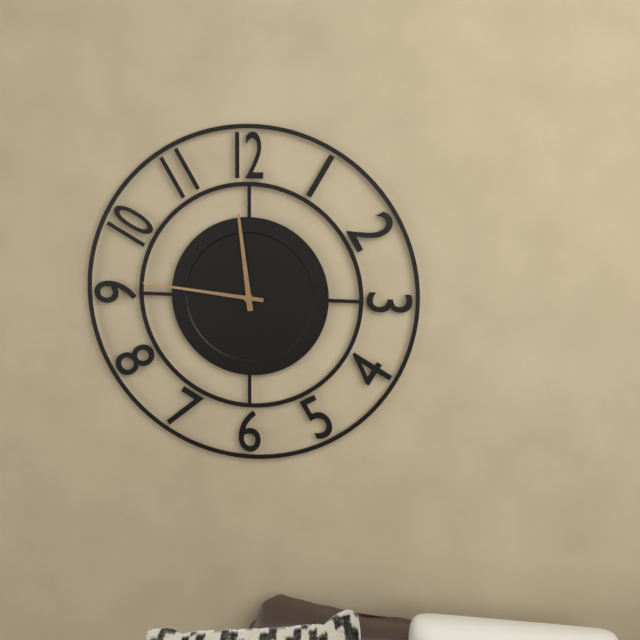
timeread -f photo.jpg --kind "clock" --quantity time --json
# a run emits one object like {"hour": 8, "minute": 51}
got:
{"hour": 11, "minute": 46}
